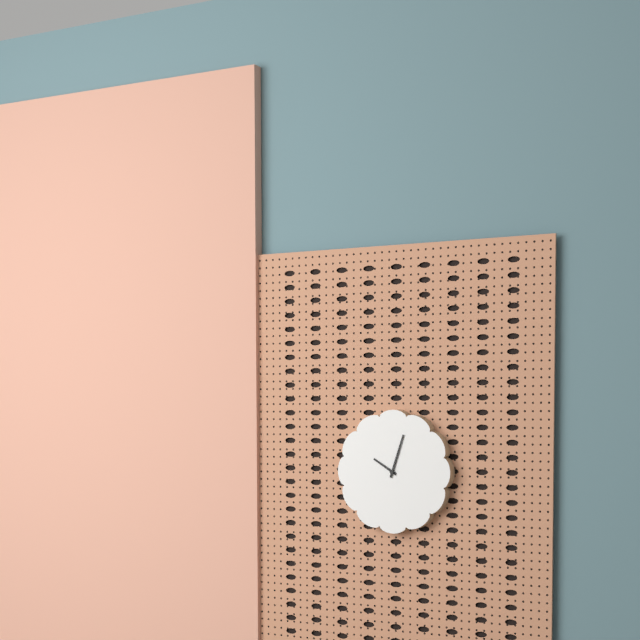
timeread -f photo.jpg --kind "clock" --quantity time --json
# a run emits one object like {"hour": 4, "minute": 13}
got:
{"hour": 10, "minute": 3}
